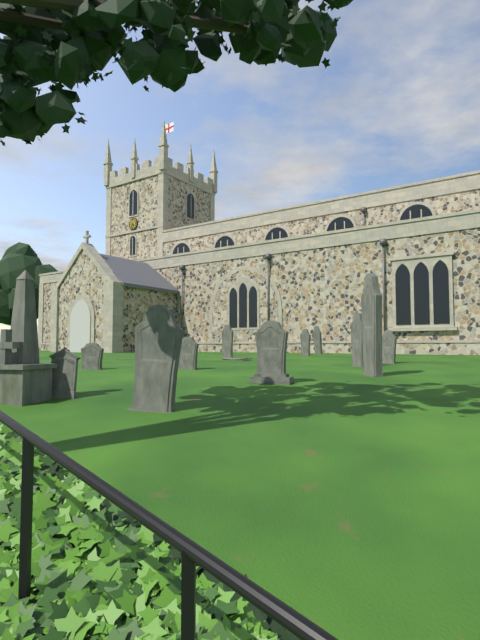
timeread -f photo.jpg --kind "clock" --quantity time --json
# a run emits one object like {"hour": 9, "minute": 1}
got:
{"hour": 4, "minute": 33}
